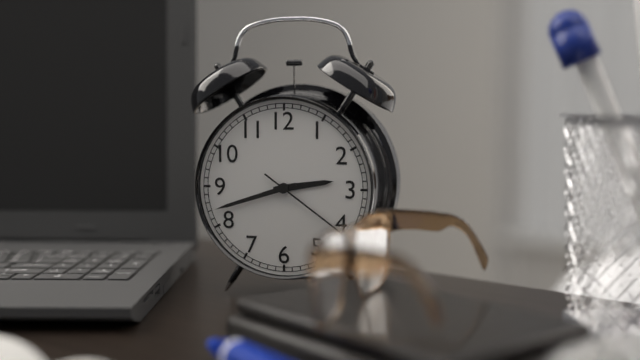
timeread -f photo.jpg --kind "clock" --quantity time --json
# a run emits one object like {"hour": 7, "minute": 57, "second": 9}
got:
{"hour": 2, "minute": 42, "second": 21}
